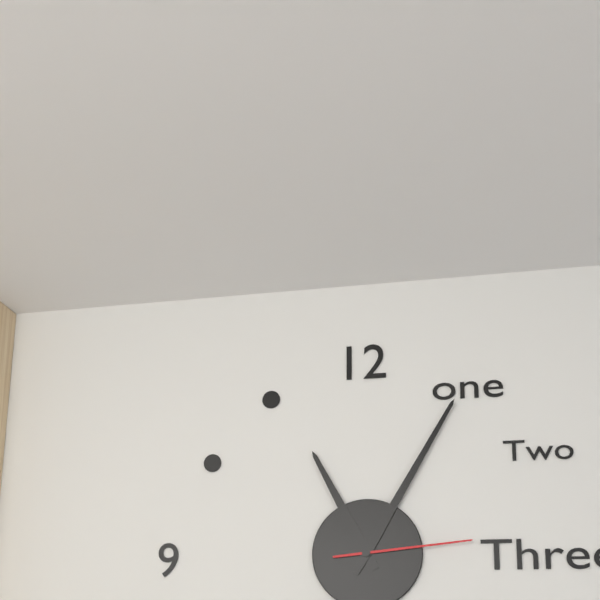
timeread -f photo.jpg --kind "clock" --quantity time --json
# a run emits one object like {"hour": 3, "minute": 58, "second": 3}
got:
{"hour": 11, "minute": 5, "second": 14}
